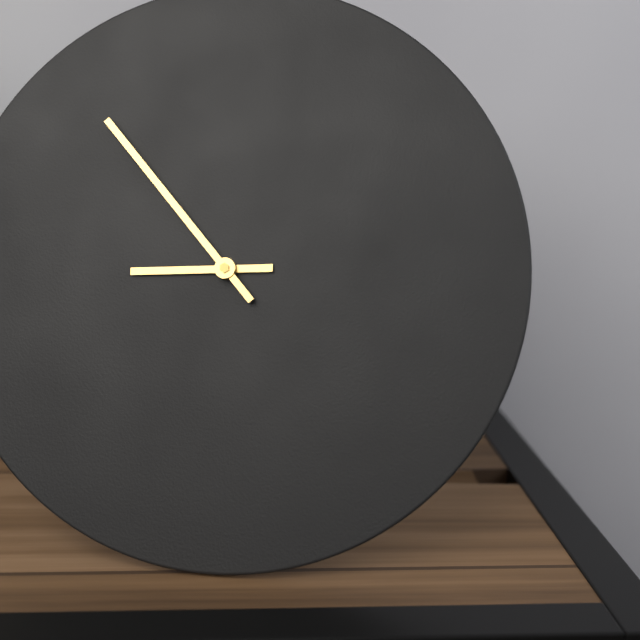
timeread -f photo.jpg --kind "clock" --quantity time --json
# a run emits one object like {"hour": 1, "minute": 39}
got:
{"hour": 8, "minute": 53}
